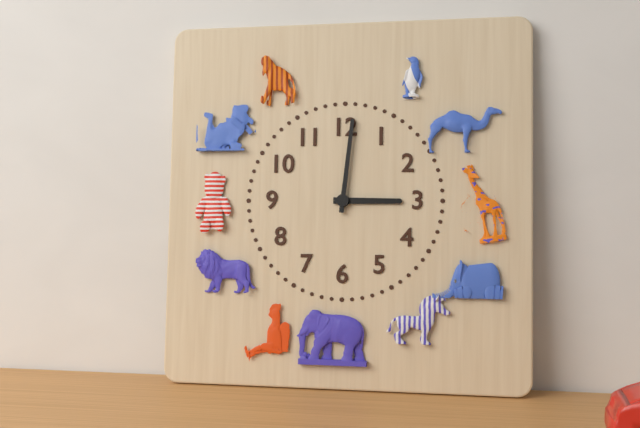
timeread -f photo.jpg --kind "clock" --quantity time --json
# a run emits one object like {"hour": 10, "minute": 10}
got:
{"hour": 3, "minute": 1}
